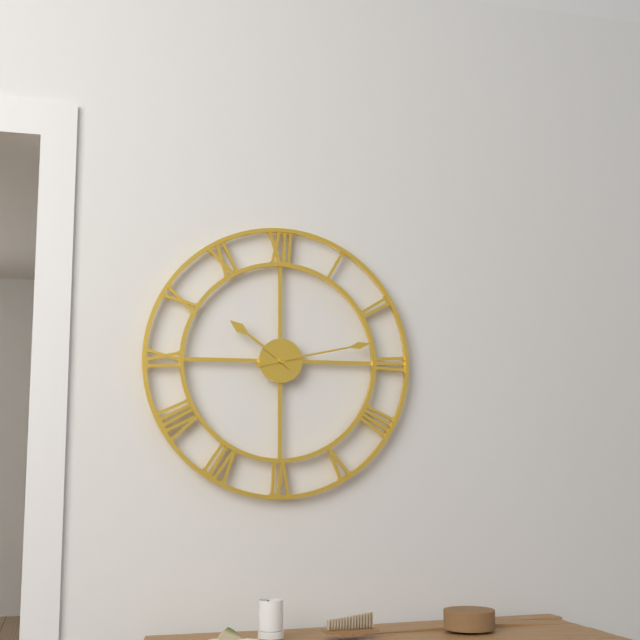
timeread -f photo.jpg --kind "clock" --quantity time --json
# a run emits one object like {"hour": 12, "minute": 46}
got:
{"hour": 10, "minute": 13}
